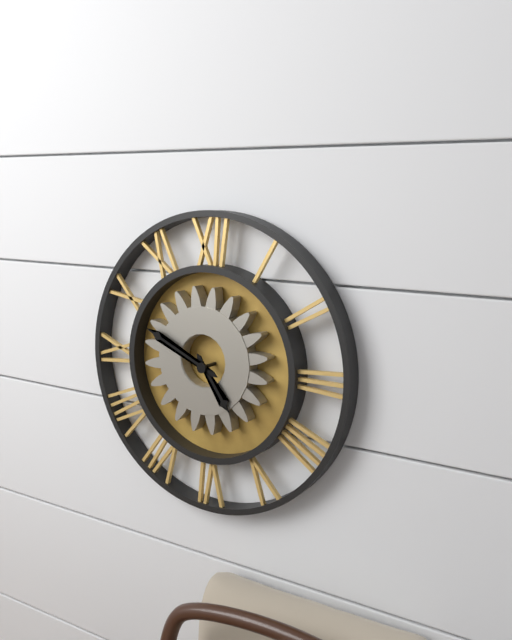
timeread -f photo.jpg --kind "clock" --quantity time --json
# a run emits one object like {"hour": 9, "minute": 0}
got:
{"hour": 4, "minute": 49}
